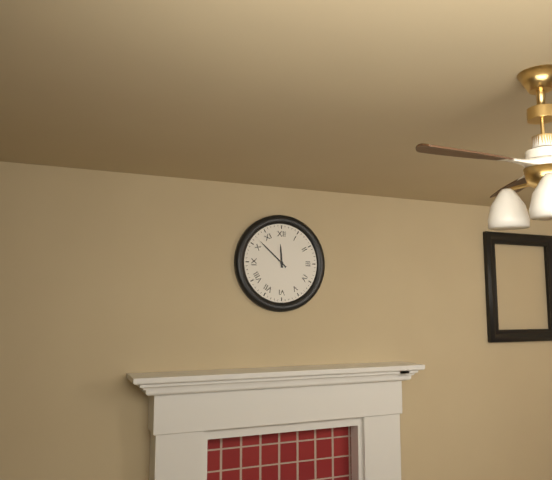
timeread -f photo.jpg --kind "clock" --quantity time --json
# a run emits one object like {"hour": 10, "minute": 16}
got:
{"hour": 11, "minute": 52}
